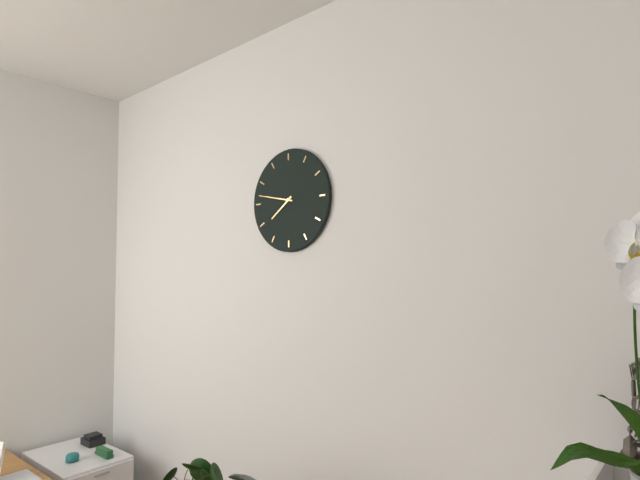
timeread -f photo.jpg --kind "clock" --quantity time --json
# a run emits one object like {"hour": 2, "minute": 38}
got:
{"hour": 7, "minute": 47}
